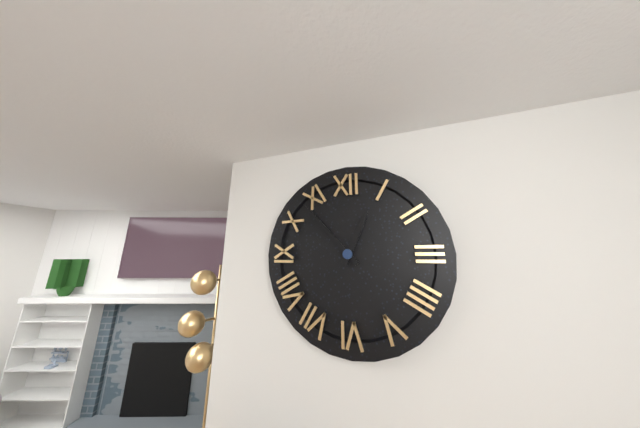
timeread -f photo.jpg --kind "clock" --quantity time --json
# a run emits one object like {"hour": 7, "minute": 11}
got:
{"hour": 12, "minute": 53}
